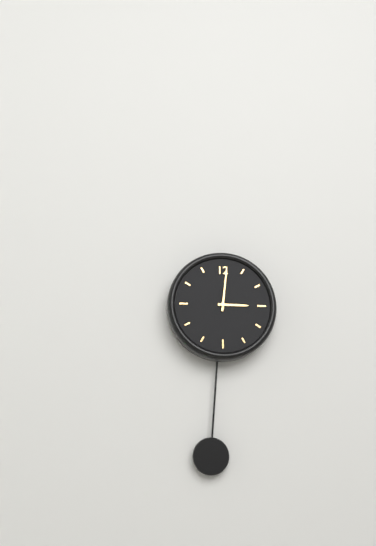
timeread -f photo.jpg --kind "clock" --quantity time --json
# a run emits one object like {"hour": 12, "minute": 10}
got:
{"hour": 3, "minute": 1}
